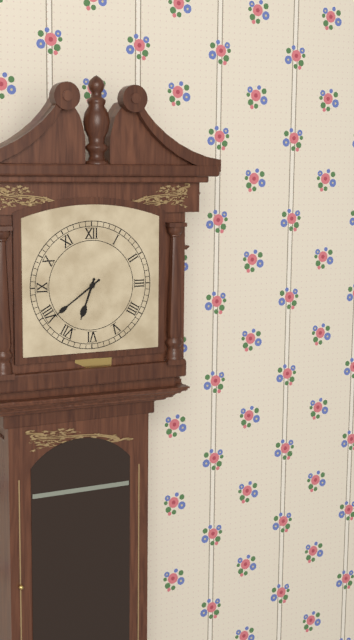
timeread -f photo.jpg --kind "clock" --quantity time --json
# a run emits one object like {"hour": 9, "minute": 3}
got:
{"hour": 6, "minute": 39}
